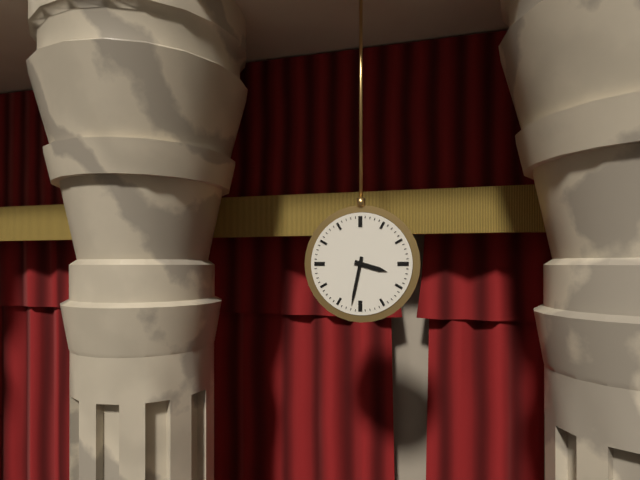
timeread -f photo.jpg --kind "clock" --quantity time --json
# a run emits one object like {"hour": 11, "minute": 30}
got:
{"hour": 3, "minute": 32}
